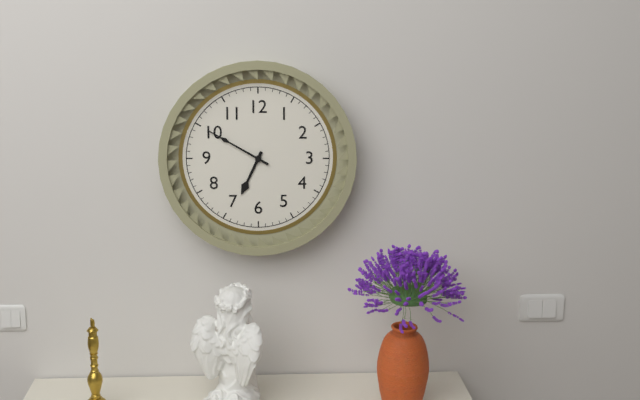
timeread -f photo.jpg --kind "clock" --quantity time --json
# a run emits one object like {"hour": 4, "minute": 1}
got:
{"hour": 6, "minute": 50}
